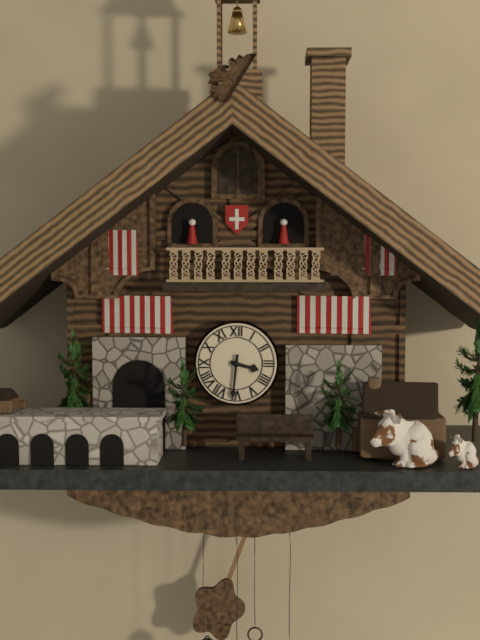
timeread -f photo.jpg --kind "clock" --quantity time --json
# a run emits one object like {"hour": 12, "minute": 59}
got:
{"hour": 3, "minute": 31}
